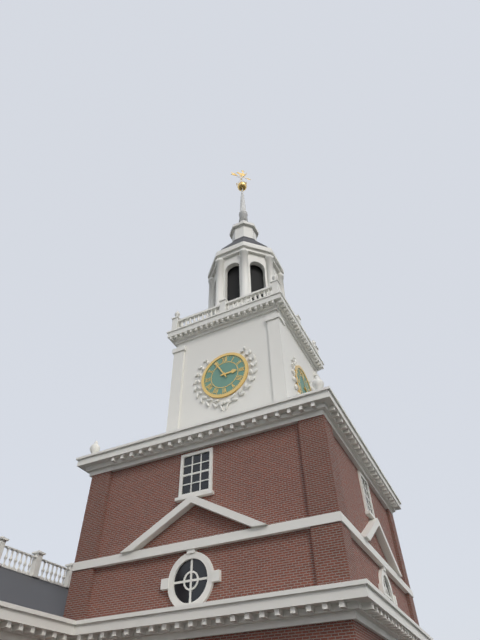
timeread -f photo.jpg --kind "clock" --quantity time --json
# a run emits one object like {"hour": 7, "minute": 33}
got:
{"hour": 2, "minute": 55}
